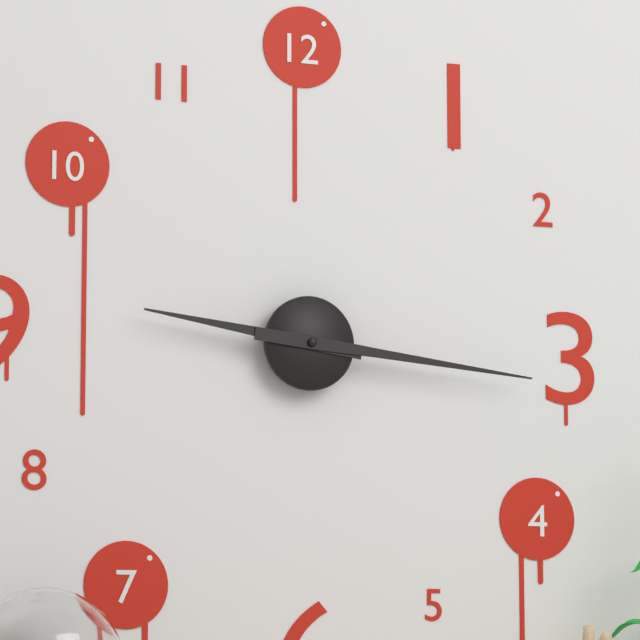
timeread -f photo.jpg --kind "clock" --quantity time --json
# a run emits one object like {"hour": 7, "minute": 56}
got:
{"hour": 9, "minute": 16}
